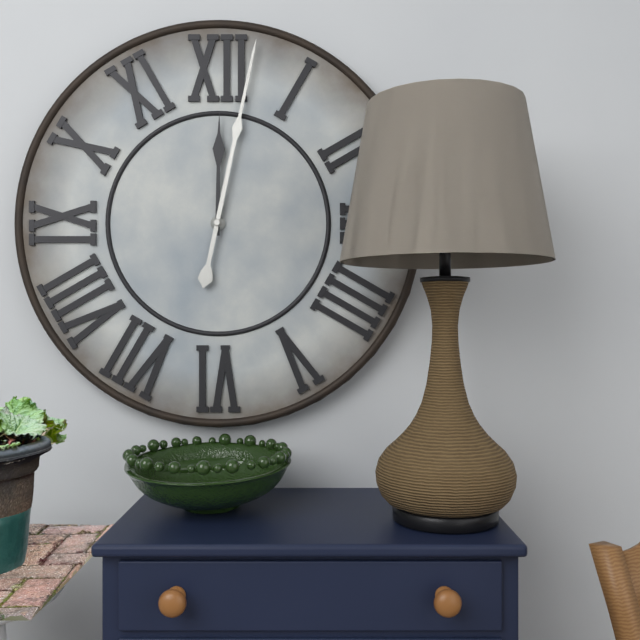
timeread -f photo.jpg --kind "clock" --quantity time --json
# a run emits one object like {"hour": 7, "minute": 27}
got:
{"hour": 12, "minute": 2}
